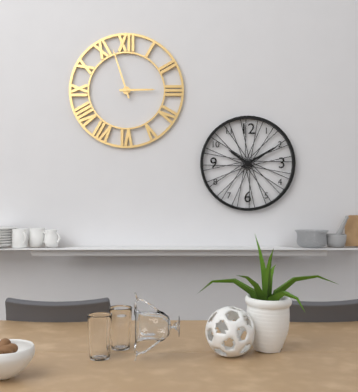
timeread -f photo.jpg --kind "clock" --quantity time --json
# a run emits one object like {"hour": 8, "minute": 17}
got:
{"hour": 2, "minute": 57}
